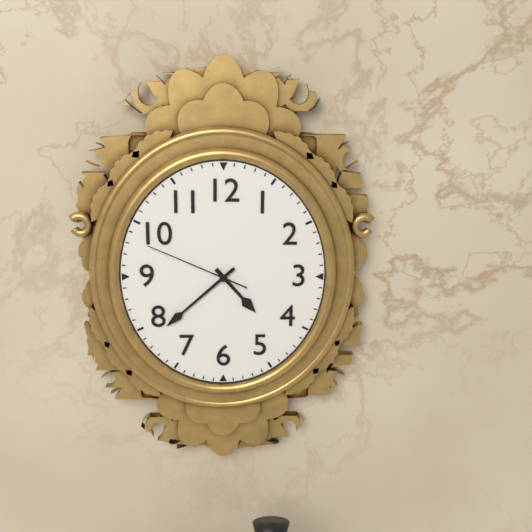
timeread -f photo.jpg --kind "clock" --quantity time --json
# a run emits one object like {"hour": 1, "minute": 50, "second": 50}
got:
{"hour": 4, "minute": 38, "second": 49}
